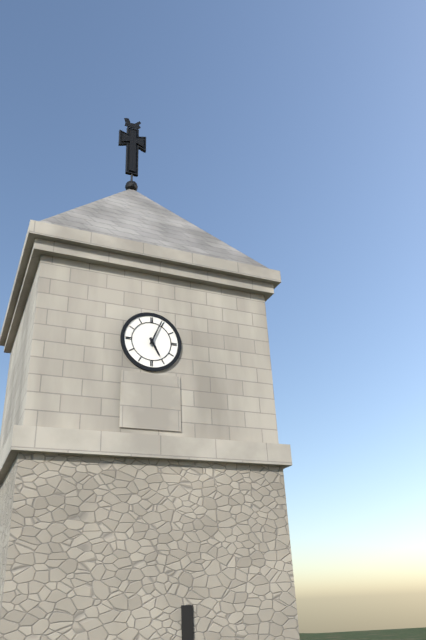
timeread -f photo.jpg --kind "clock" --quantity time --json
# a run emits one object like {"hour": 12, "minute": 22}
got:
{"hour": 5, "minute": 4}
